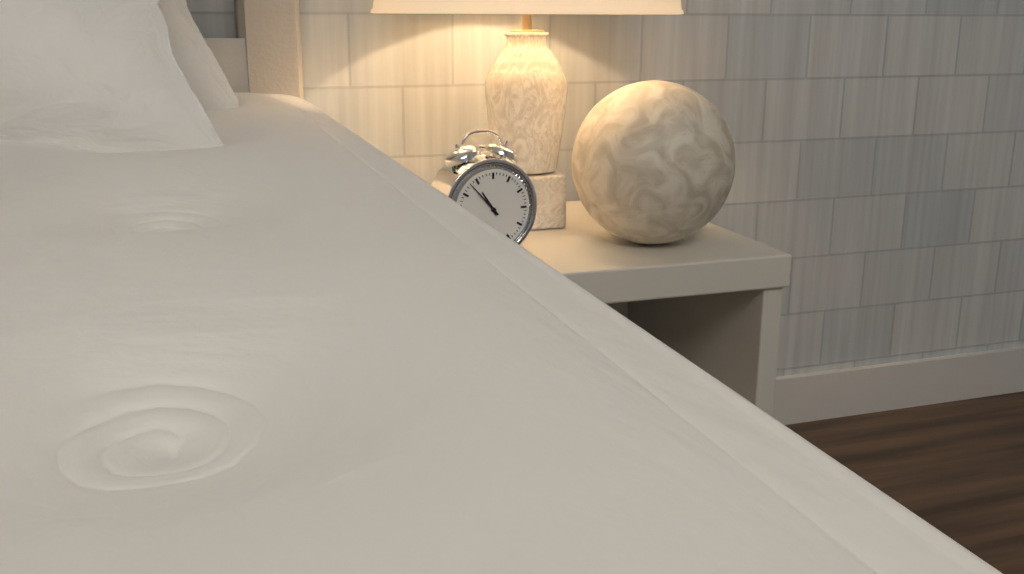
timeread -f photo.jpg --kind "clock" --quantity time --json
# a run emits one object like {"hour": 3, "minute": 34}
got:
{"hour": 10, "minute": 53}
